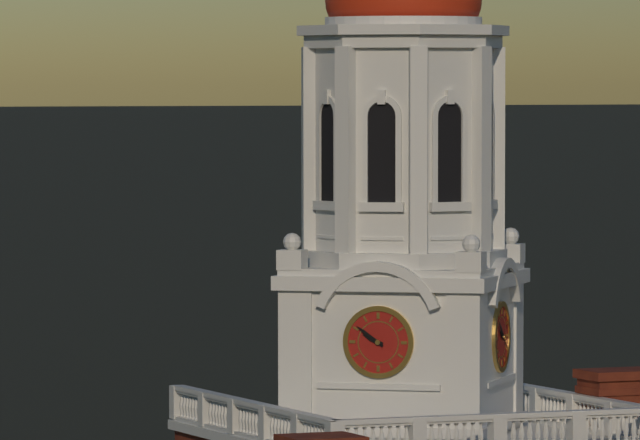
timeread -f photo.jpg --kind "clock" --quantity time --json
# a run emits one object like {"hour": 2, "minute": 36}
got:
{"hour": 9, "minute": 51}
